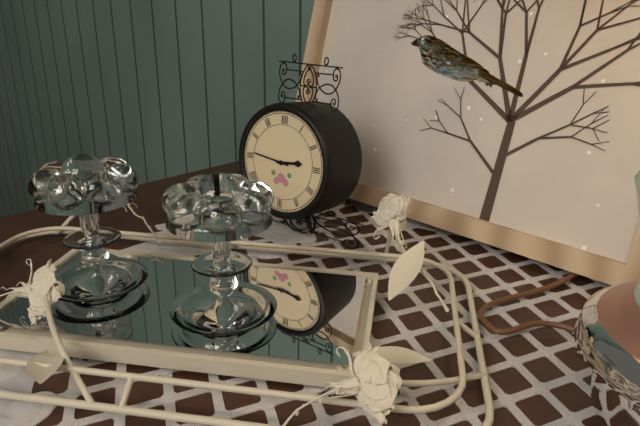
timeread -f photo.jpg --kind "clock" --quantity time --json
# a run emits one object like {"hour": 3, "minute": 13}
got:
{"hour": 2, "minute": 46}
